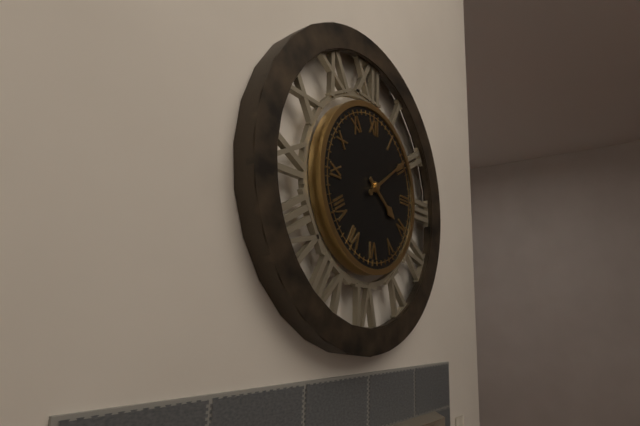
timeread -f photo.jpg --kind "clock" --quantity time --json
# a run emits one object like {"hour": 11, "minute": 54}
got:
{"hour": 4, "minute": 9}
